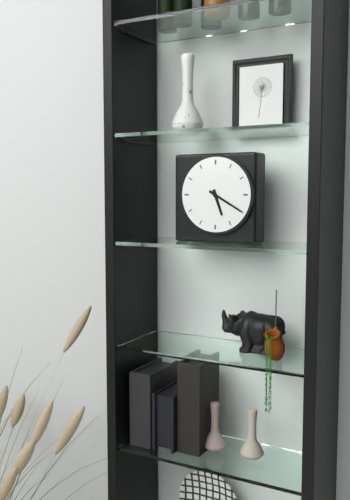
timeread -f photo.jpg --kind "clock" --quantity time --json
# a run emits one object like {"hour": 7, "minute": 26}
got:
{"hour": 5, "minute": 20}
